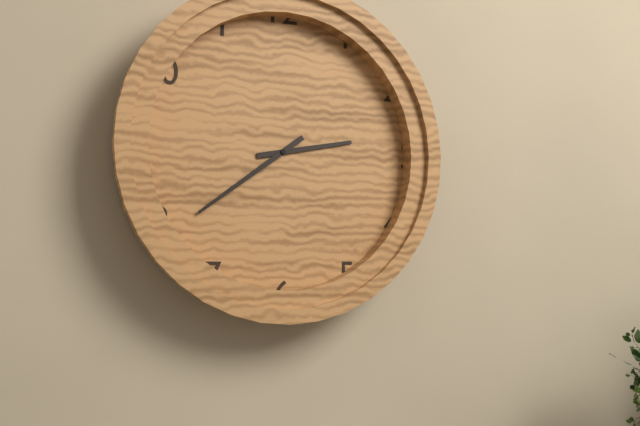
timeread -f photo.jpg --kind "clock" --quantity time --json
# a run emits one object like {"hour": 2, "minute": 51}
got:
{"hour": 2, "minute": 39}
